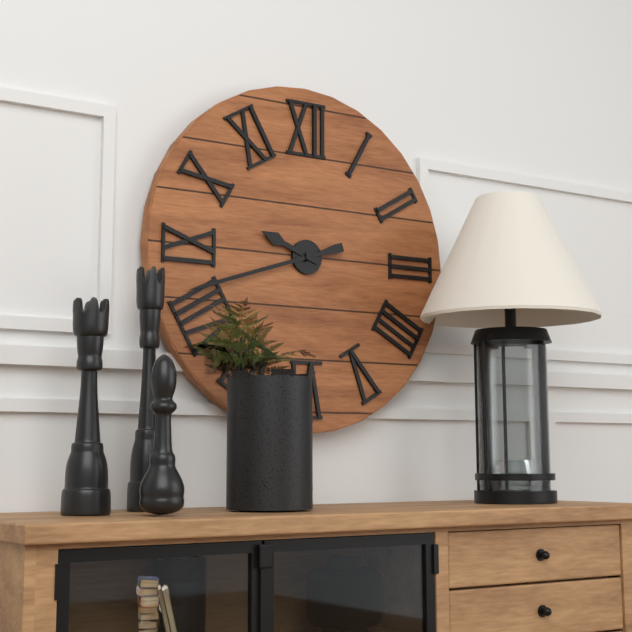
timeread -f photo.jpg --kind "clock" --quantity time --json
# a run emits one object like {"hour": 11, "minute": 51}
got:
{"hour": 9, "minute": 42}
